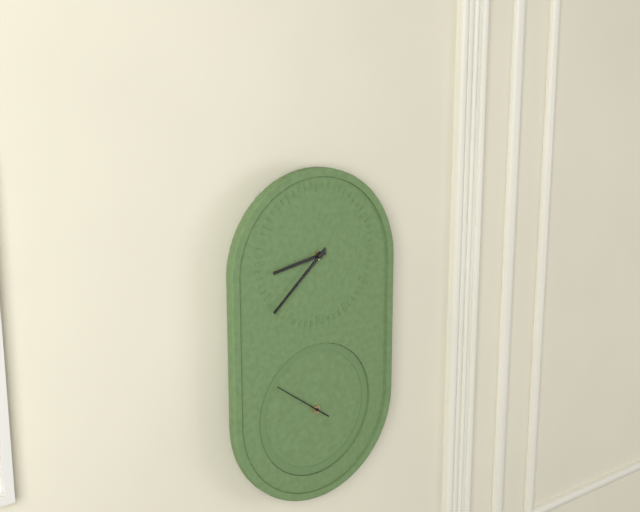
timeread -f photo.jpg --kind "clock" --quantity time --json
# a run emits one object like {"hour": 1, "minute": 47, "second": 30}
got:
{"hour": 8, "minute": 38, "second": 51}
